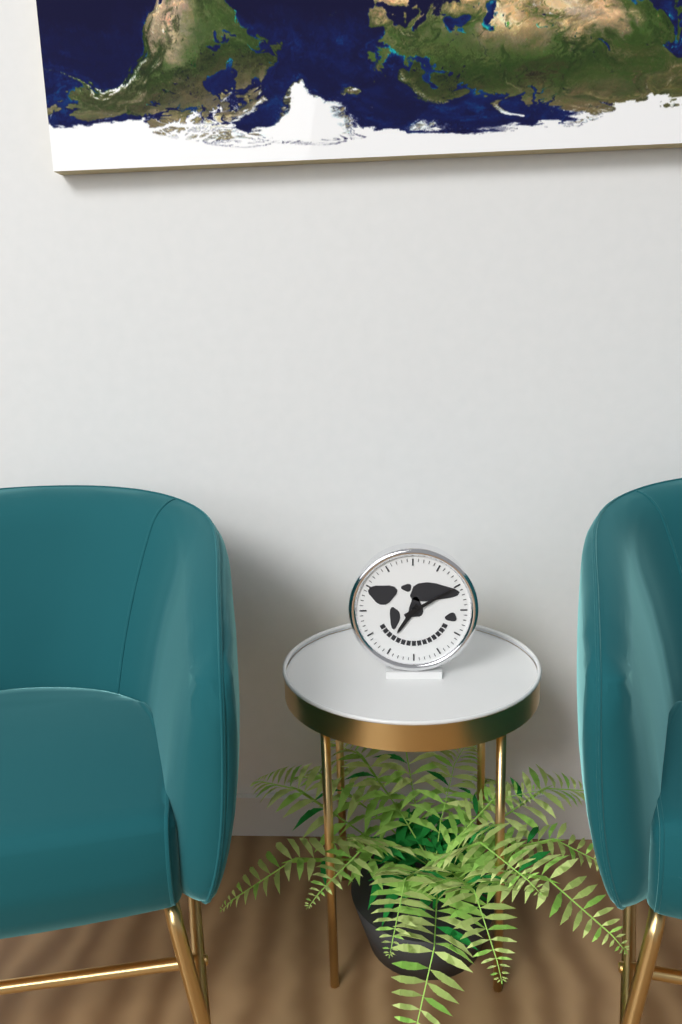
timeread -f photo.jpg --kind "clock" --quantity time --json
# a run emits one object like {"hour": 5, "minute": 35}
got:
{"hour": 7, "minute": 10}
